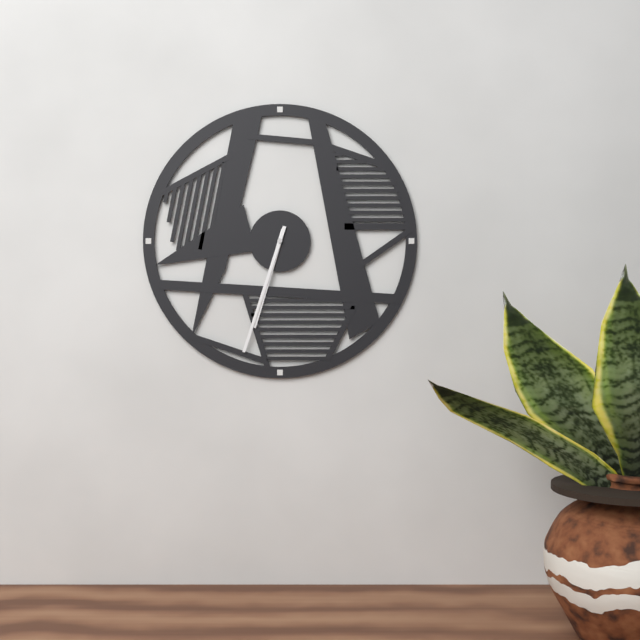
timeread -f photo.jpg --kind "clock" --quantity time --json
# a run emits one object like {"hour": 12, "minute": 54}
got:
{"hour": 6, "minute": 33}
